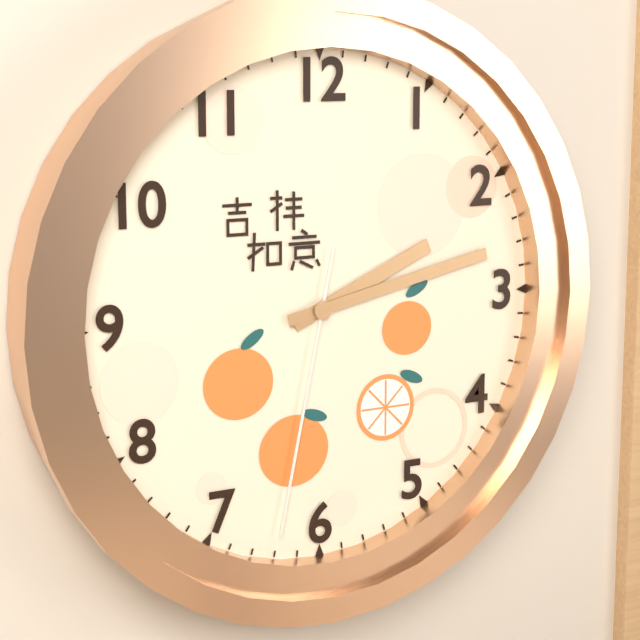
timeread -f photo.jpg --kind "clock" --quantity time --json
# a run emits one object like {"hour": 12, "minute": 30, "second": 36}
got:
{"hour": 2, "minute": 13, "second": 32}
